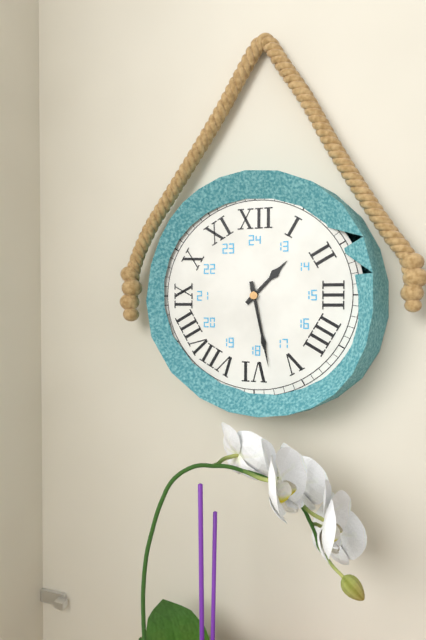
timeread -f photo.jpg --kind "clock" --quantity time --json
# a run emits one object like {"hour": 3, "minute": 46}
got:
{"hour": 1, "minute": 28}
